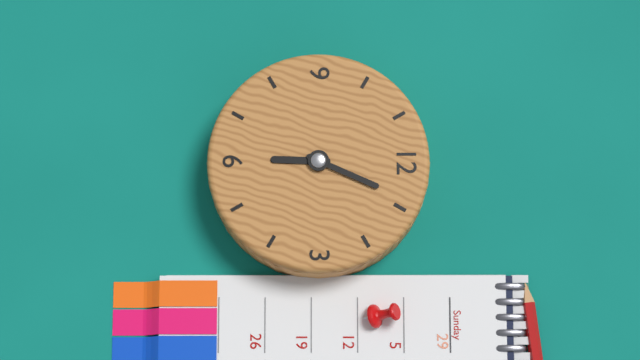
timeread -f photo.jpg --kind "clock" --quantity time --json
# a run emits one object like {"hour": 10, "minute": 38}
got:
{"hour": 6, "minute": 4}
